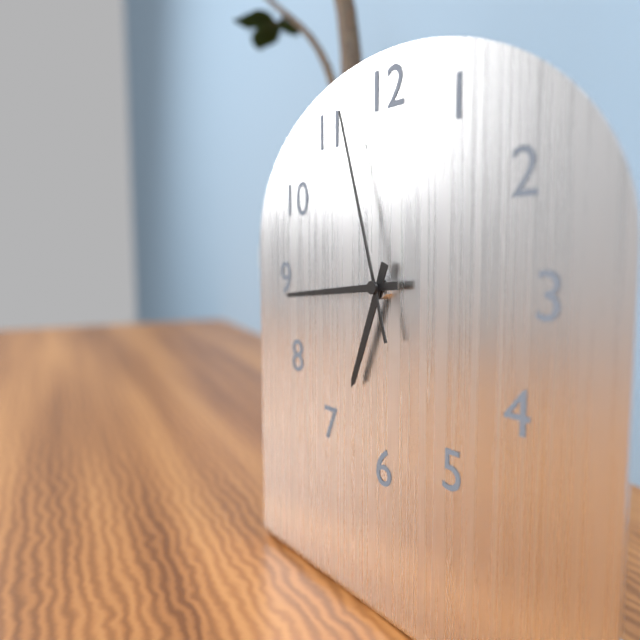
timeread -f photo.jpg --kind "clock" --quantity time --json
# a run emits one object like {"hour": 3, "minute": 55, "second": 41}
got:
{"hour": 6, "minute": 44, "second": 57}
